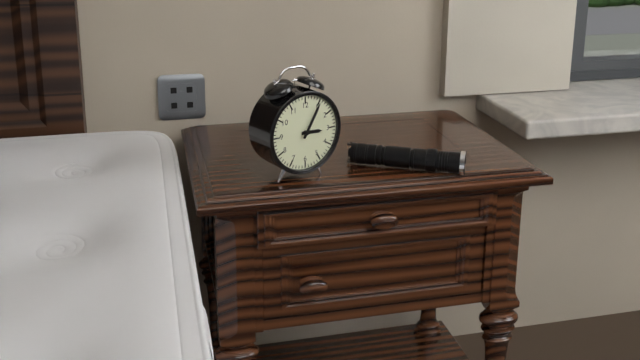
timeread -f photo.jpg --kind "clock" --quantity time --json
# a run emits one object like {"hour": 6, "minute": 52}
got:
{"hour": 3, "minute": 5}
